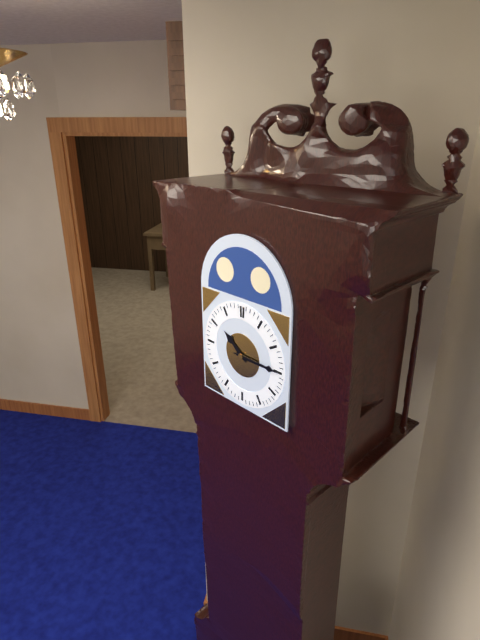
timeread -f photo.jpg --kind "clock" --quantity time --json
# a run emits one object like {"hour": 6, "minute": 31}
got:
{"hour": 10, "minute": 15}
